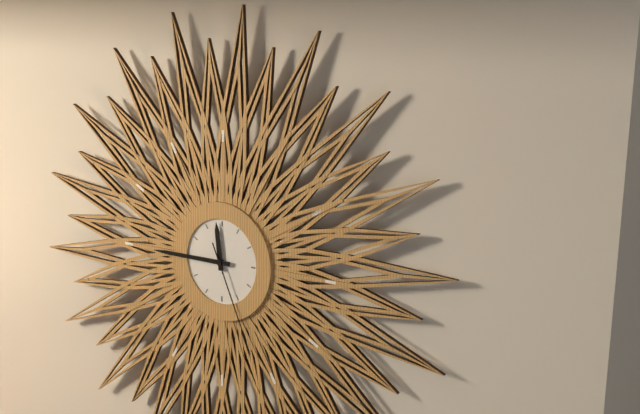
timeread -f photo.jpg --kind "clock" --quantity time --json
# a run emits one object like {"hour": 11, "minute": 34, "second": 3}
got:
{"hour": 11, "minute": 45, "second": 26}
